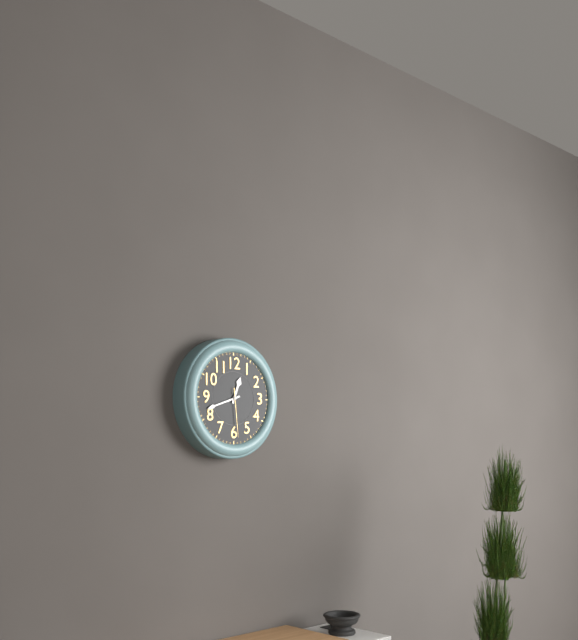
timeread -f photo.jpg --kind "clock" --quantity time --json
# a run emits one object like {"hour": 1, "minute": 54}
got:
{"hour": 12, "minute": 42}
